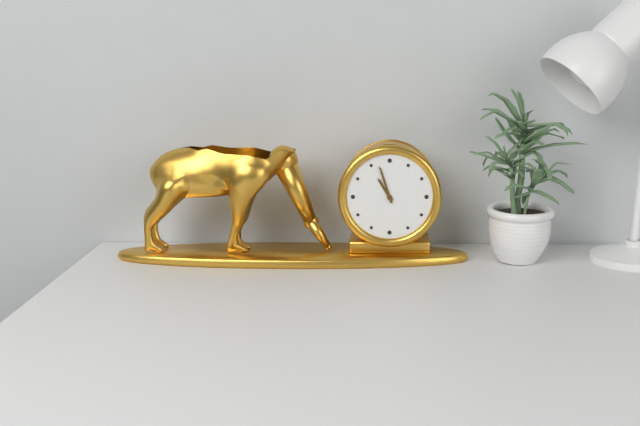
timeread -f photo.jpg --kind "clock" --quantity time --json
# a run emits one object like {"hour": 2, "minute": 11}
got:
{"hour": 10, "minute": 57}
